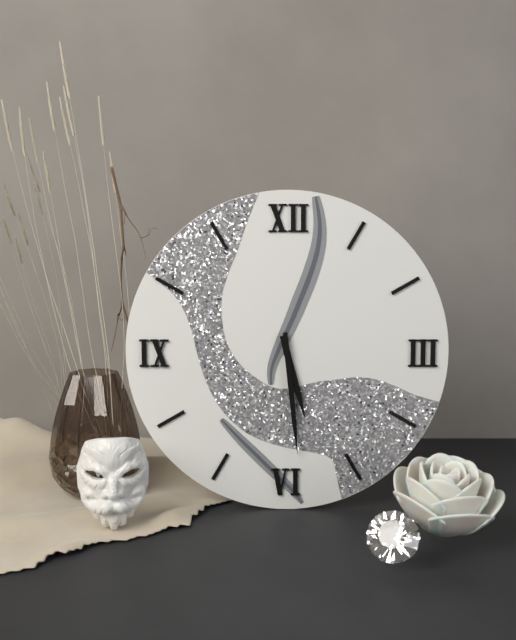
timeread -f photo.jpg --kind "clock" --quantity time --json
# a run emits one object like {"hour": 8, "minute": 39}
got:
{"hour": 5, "minute": 29}
